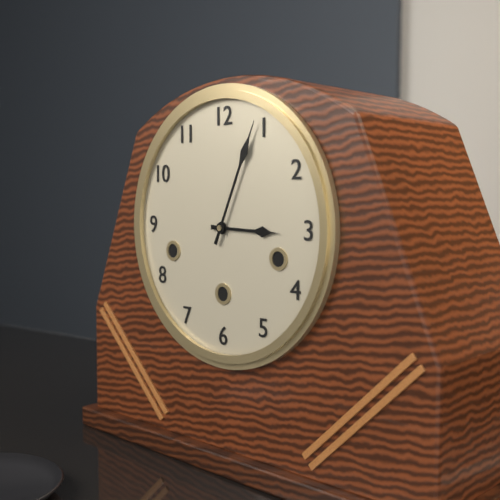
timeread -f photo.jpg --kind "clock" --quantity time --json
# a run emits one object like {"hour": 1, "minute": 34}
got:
{"hour": 3, "minute": 4}
